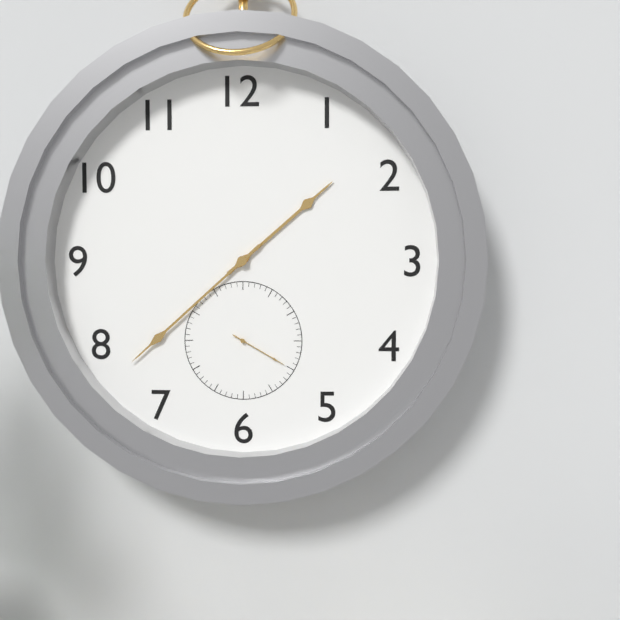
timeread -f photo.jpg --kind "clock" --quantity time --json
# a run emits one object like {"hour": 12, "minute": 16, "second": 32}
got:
{"hour": 1, "minute": 38, "second": 20}
